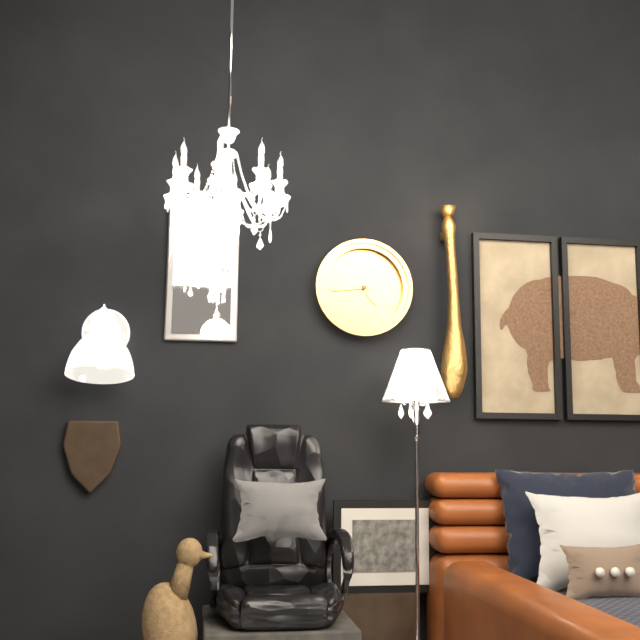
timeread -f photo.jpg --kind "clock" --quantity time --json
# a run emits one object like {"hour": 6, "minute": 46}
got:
{"hour": 4, "minute": 44}
